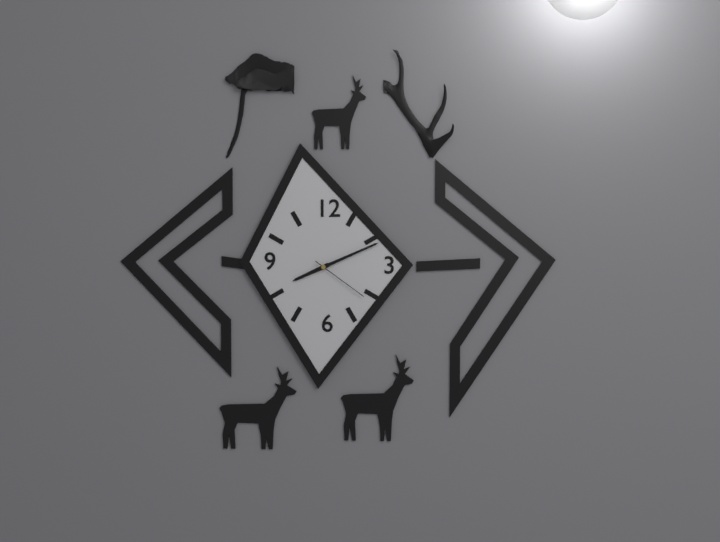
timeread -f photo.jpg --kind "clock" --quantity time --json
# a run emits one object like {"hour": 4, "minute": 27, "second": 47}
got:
{"hour": 8, "minute": 11, "second": 21}
